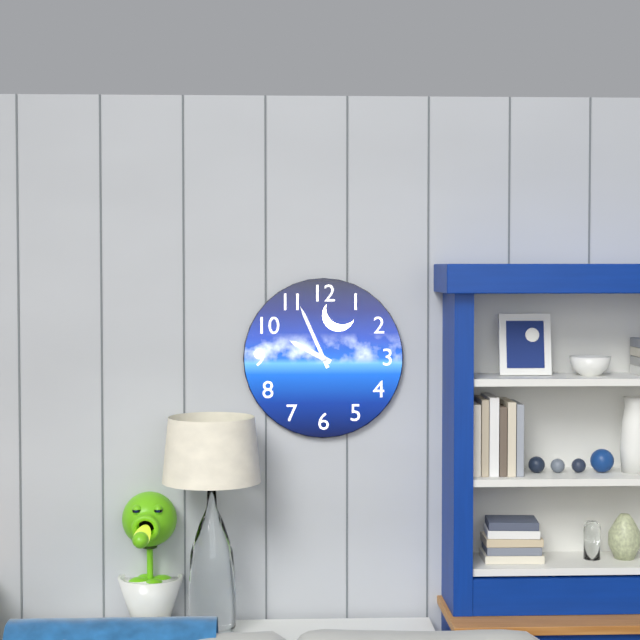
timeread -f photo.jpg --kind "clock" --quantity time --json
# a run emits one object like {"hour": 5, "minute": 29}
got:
{"hour": 9, "minute": 56}
